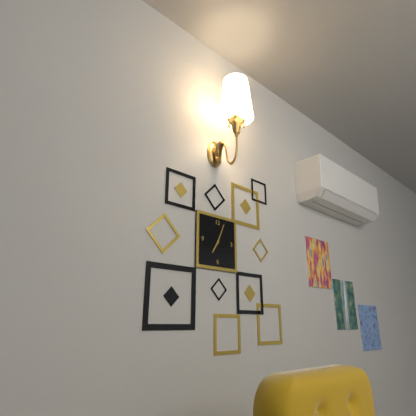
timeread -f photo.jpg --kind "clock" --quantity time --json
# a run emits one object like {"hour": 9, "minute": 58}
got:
{"hour": 7, "minute": 4}
